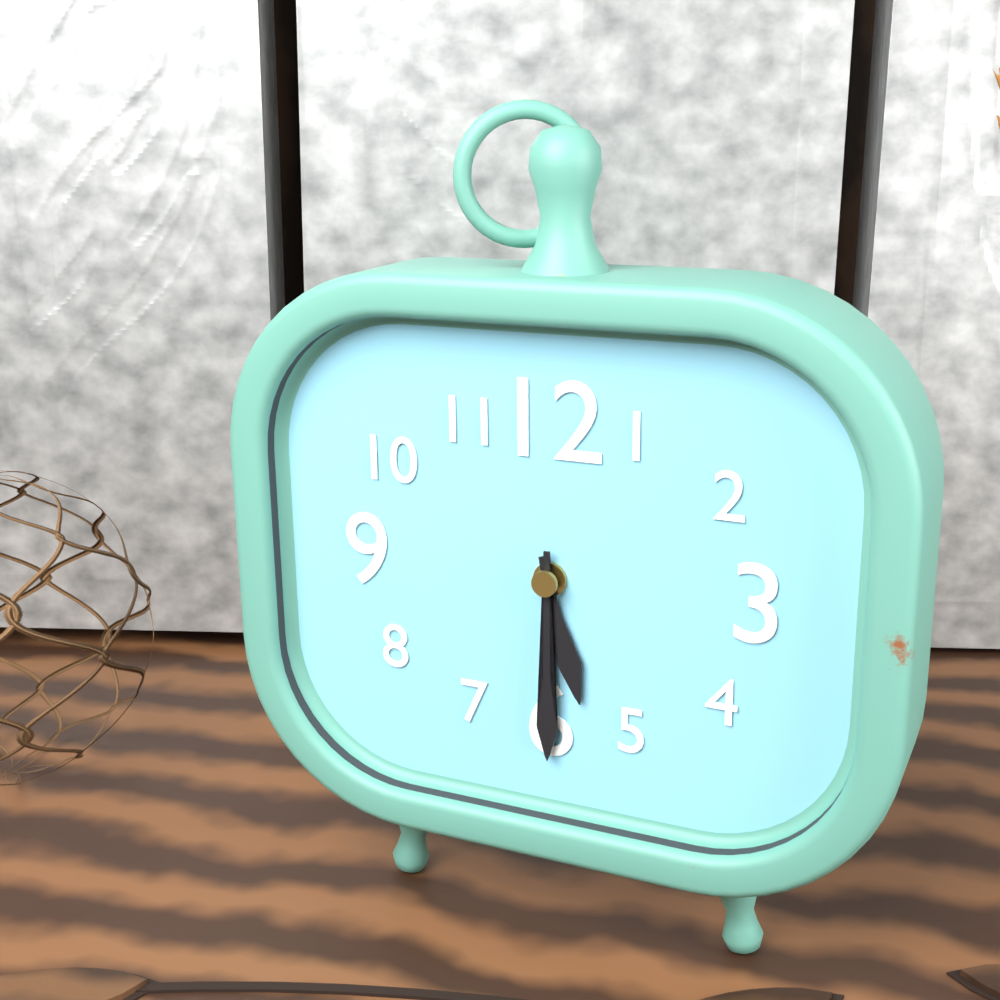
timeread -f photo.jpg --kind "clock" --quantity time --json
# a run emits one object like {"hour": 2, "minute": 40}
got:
{"hour": 5, "minute": 30}
